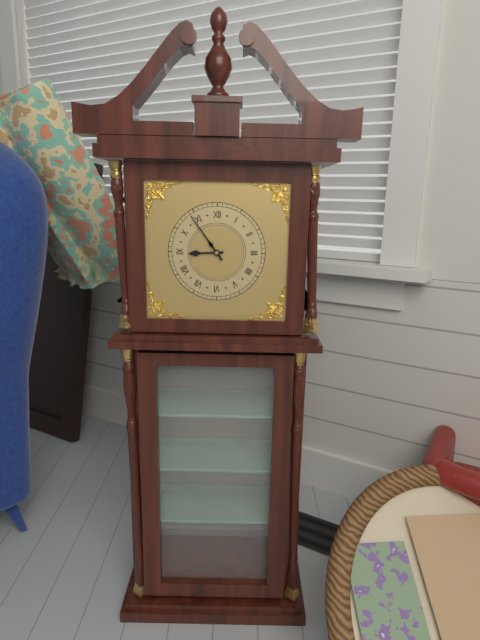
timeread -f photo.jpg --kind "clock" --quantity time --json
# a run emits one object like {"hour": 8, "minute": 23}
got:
{"hour": 8, "minute": 54}
